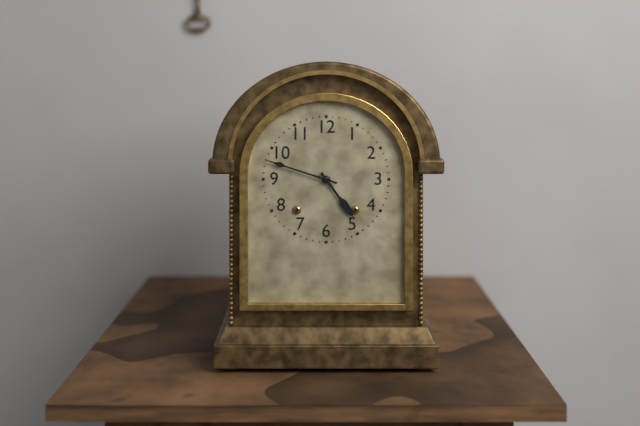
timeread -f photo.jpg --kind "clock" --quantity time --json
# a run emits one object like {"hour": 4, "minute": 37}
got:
{"hour": 4, "minute": 48}
